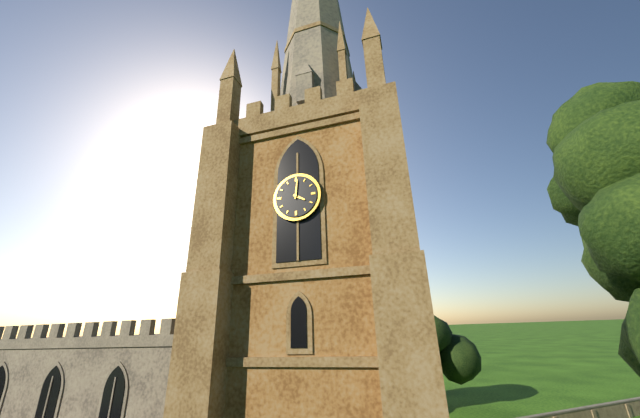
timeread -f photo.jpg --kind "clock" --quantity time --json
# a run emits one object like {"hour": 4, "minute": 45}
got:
{"hour": 4, "minute": 1}
